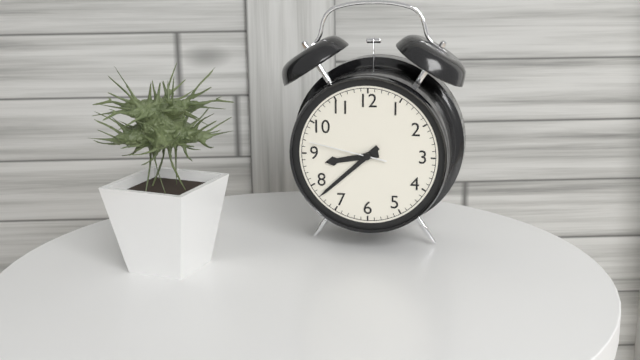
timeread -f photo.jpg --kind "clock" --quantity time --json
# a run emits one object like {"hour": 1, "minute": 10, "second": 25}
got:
{"hour": 8, "minute": 38, "second": 47}
